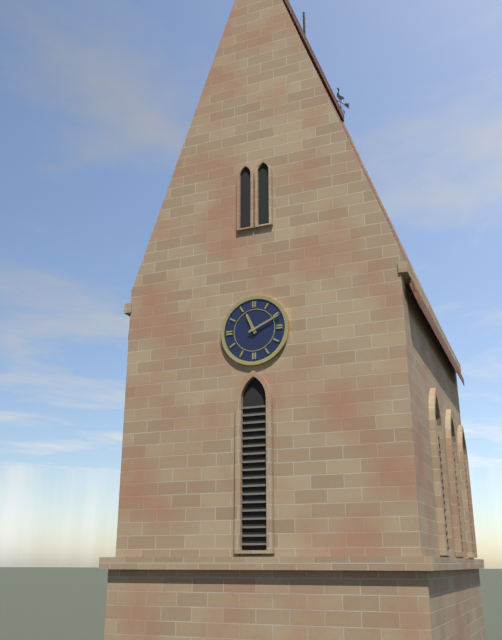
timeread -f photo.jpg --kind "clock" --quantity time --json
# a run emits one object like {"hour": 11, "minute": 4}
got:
{"hour": 11, "minute": 11}
